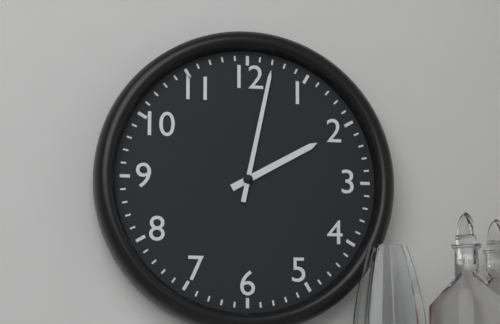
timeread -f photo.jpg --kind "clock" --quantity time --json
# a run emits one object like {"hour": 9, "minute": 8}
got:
{"hour": 2, "minute": 2}
